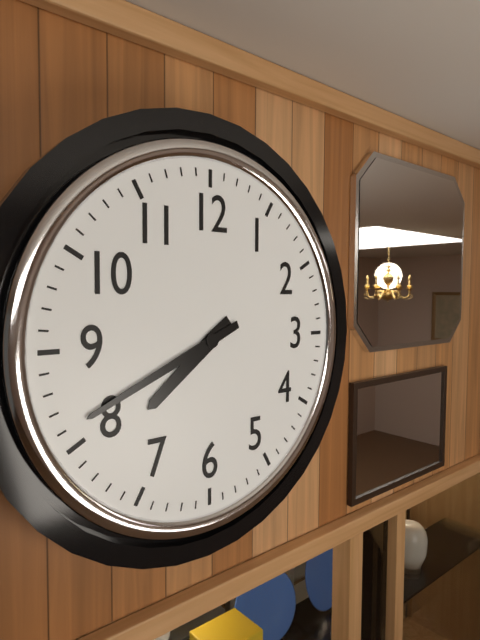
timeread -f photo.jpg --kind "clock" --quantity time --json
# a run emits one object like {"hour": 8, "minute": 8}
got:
{"hour": 7, "minute": 41}
